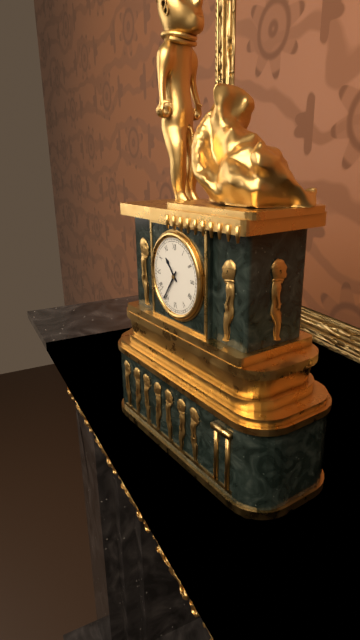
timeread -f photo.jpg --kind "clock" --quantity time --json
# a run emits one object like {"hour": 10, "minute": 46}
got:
{"hour": 10, "minute": 36}
